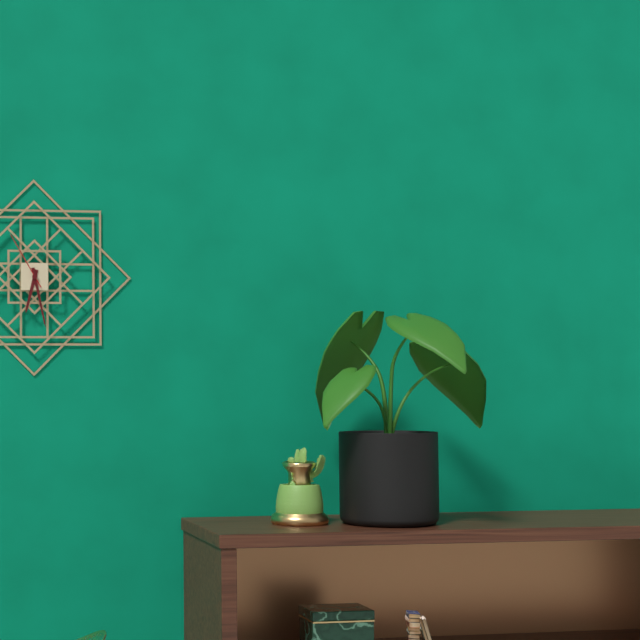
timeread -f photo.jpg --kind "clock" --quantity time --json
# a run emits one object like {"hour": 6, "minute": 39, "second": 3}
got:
{"hour": 6, "minute": 28, "second": 55}
